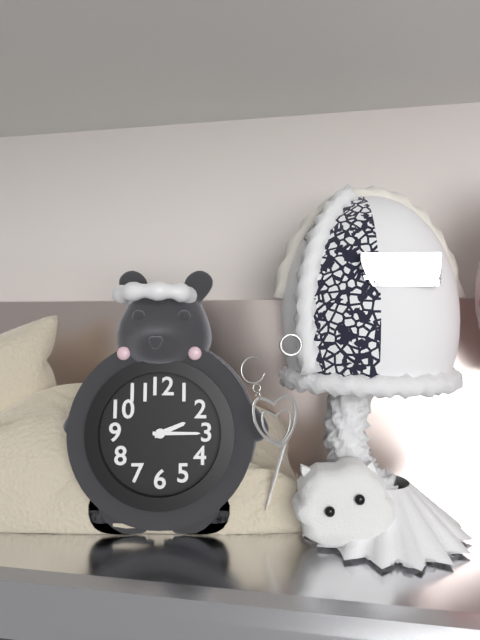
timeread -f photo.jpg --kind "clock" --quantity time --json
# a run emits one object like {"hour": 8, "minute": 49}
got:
{"hour": 2, "minute": 15}
